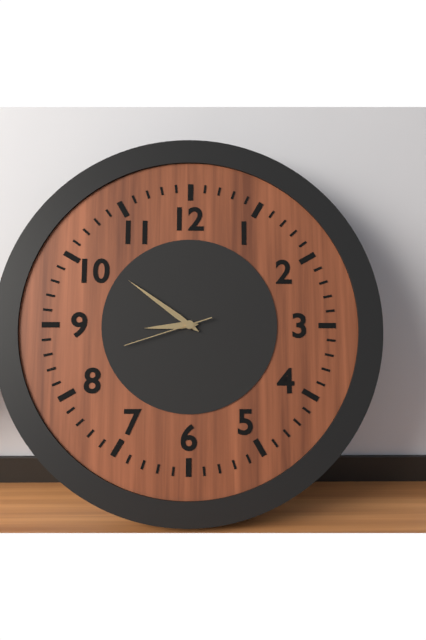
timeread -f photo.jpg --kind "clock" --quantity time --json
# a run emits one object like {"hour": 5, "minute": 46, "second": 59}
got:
{"hour": 8, "minute": 51, "second": 42}
